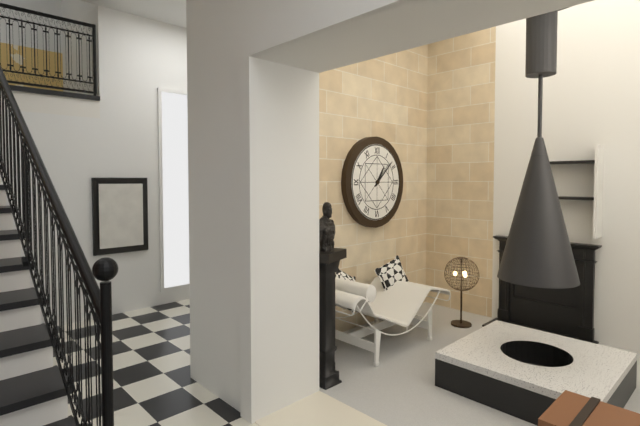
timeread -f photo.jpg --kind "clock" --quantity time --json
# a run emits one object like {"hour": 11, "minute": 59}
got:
{"hour": 1, "minute": 8}
